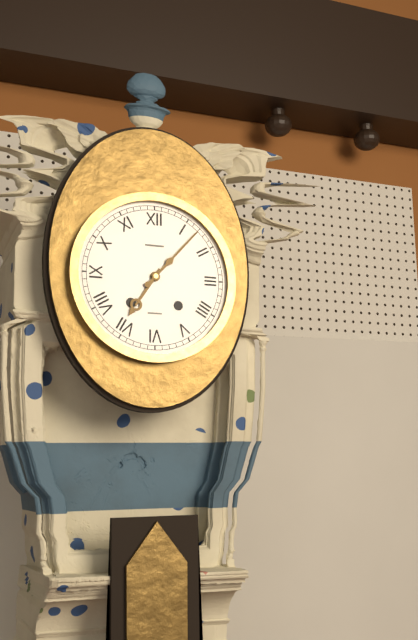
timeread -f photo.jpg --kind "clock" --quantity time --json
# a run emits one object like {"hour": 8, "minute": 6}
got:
{"hour": 7, "minute": 7}
